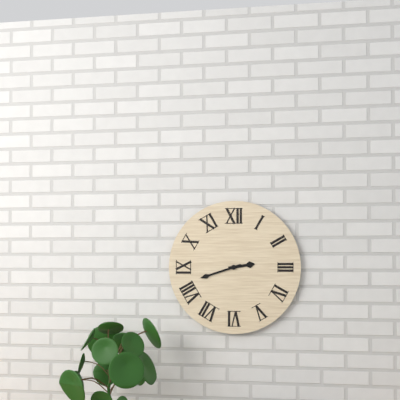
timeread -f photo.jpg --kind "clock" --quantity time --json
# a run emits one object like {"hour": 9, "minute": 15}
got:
{"hour": 2, "minute": 42}
